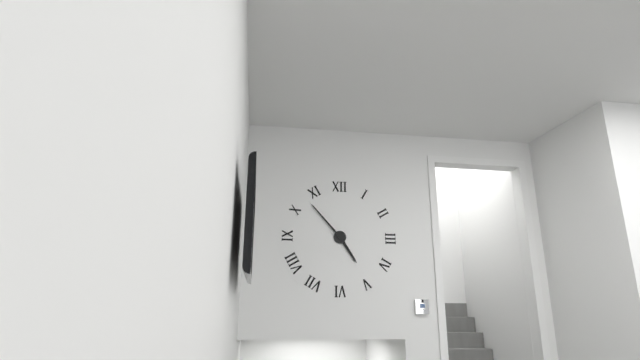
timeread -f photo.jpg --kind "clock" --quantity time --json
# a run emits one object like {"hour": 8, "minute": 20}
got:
{"hour": 4, "minute": 53}
